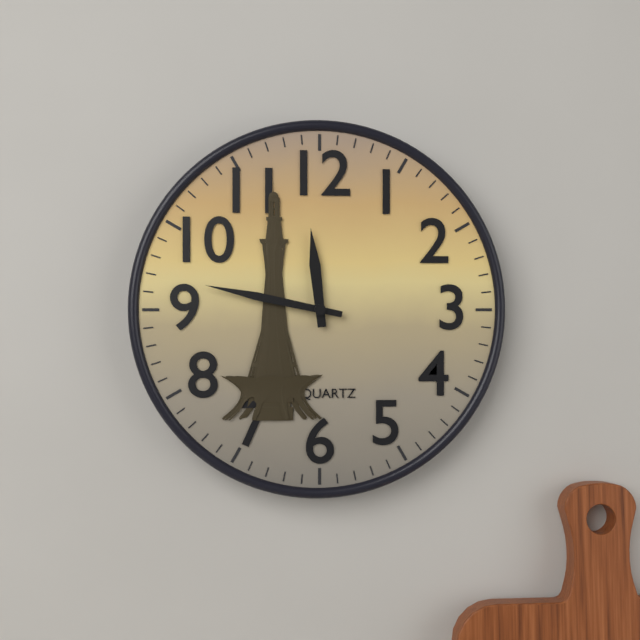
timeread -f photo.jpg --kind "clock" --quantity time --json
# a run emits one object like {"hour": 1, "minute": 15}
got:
{"hour": 11, "minute": 47}
